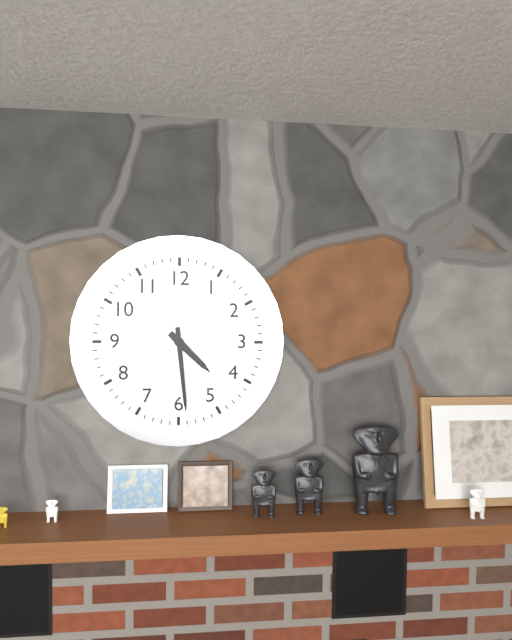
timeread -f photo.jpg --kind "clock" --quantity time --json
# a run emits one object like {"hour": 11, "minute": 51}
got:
{"hour": 4, "minute": 29}
